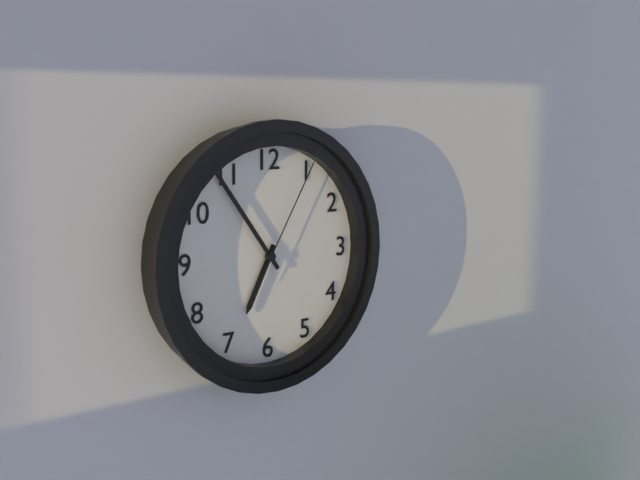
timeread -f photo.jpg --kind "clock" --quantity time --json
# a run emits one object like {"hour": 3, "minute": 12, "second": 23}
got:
{"hour": 6, "minute": 54, "second": 5}
